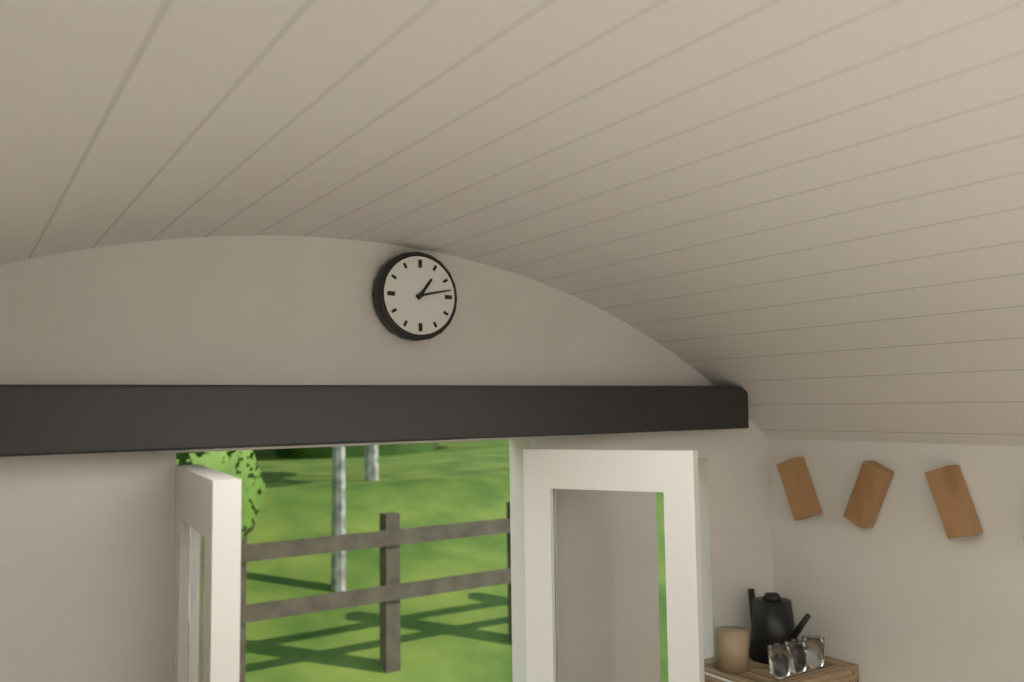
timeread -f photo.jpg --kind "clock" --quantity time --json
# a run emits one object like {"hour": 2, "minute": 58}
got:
{"hour": 1, "minute": 13}
